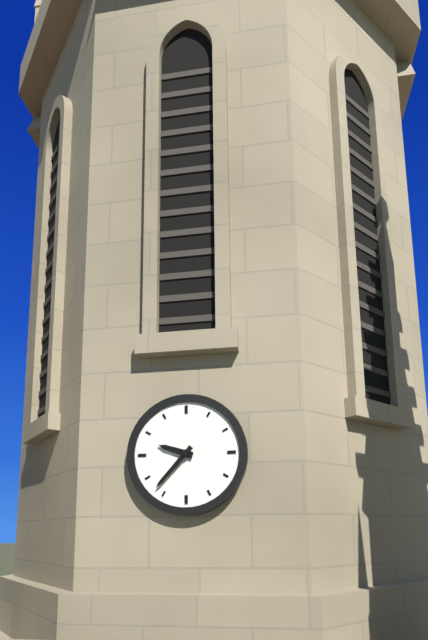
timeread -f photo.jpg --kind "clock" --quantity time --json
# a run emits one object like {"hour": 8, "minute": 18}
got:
{"hour": 9, "minute": 37}
